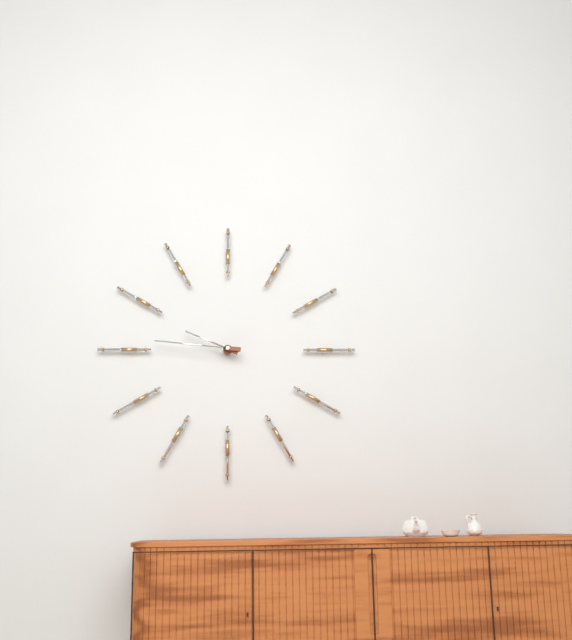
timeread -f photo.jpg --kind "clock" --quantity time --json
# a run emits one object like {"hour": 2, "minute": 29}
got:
{"hour": 9, "minute": 46}
